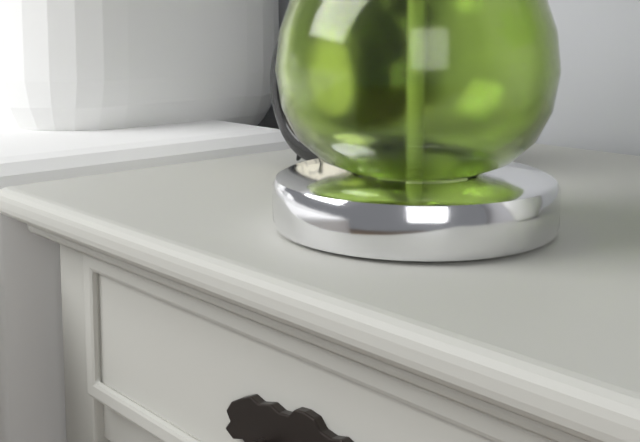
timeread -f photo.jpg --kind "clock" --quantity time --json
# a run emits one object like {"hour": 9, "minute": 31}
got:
{"hour": 9, "minute": 28}
